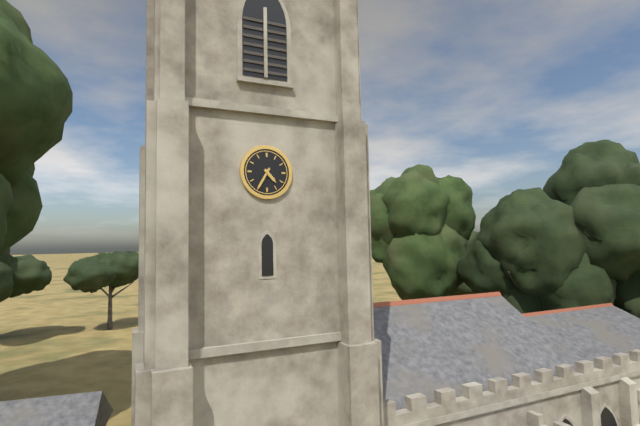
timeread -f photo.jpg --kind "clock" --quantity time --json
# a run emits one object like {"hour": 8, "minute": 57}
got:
{"hour": 4, "minute": 35}
